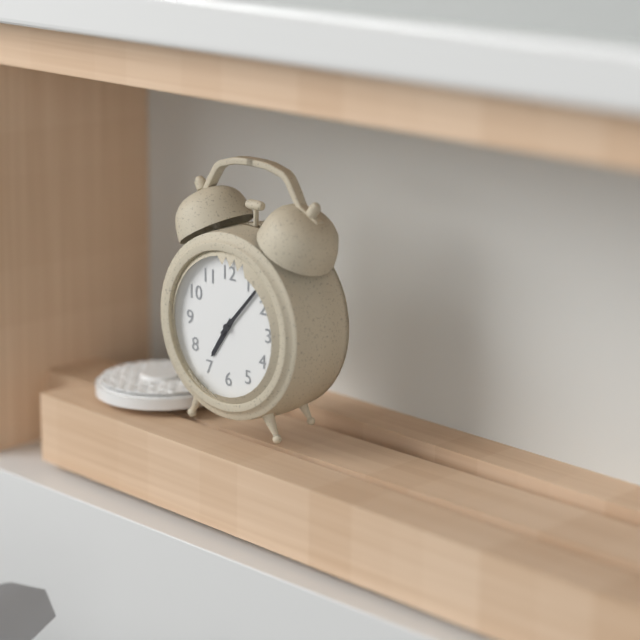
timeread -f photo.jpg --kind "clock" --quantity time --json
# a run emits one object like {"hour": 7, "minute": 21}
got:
{"hour": 7, "minute": 7}
